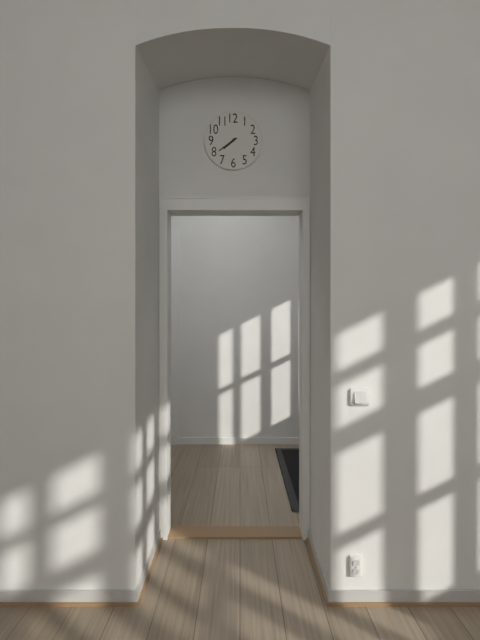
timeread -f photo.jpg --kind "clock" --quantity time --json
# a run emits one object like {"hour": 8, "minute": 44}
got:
{"hour": 7, "minute": 39}
